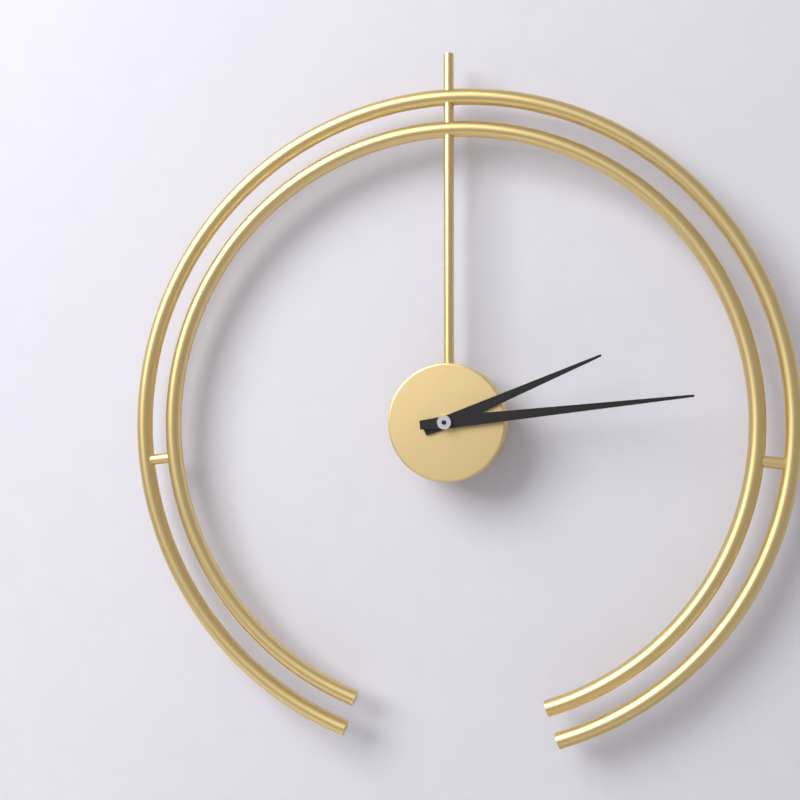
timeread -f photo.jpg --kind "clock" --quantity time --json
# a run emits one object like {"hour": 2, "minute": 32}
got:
{"hour": 2, "minute": 14}
